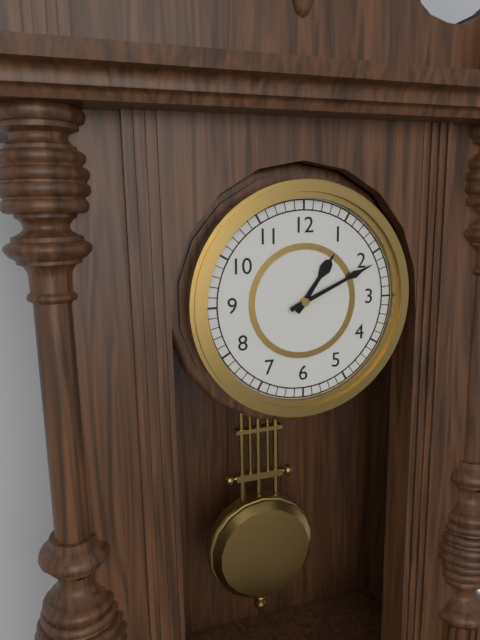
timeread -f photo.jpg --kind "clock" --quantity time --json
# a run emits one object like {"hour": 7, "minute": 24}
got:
{"hour": 1, "minute": 11}
